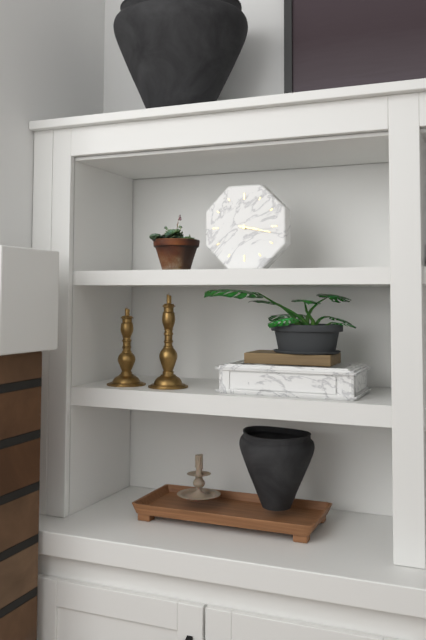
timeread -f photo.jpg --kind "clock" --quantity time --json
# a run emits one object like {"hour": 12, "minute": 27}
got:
{"hour": 3, "minute": 17}
